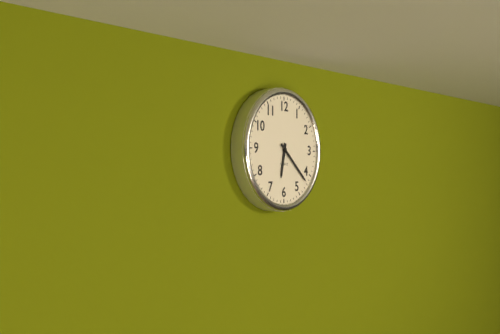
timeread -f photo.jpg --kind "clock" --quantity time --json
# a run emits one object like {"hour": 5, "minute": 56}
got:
{"hour": 6, "minute": 22}
